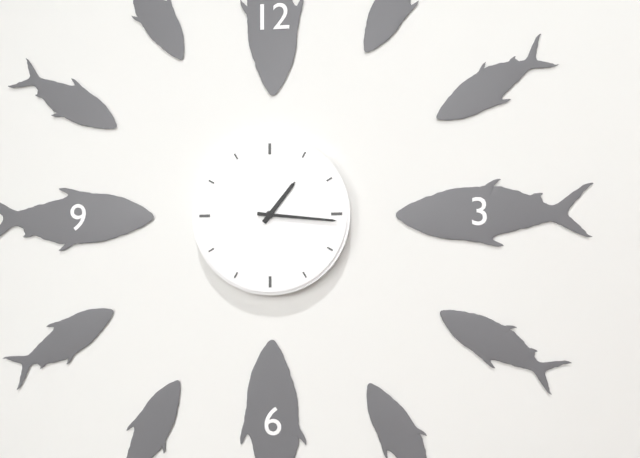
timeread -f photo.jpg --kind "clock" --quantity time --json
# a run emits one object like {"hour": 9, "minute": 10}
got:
{"hour": 1, "minute": 16}
